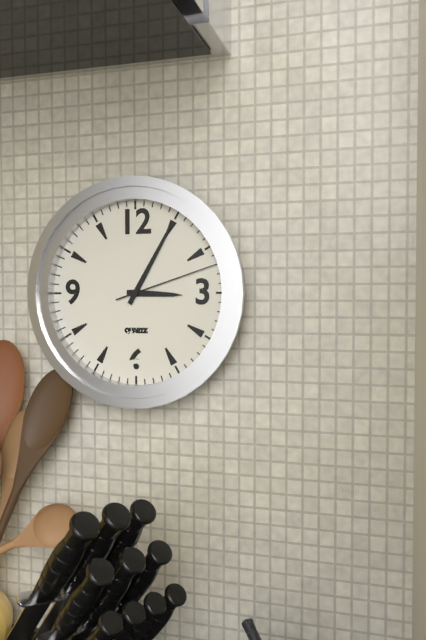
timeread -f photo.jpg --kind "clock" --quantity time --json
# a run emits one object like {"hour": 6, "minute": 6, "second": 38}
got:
{"hour": 3, "minute": 5, "second": 12}
